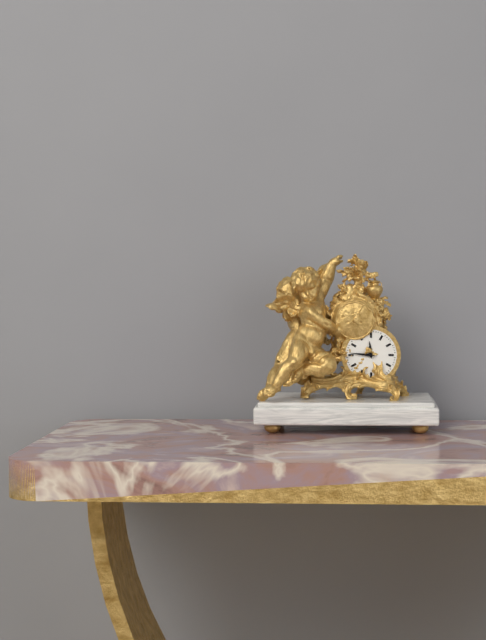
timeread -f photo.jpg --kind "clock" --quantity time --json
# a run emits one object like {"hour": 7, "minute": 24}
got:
{"hour": 11, "minute": 46}
